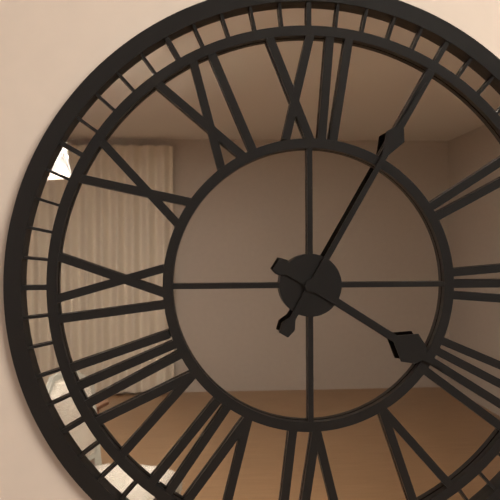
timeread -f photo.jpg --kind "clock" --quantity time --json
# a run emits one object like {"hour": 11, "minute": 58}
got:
{"hour": 4, "minute": 5}
